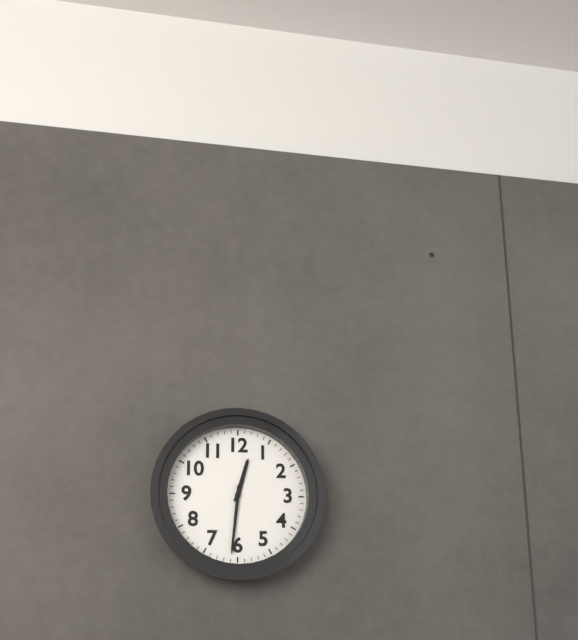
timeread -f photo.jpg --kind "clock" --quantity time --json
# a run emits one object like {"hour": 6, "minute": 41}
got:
{"hour": 12, "minute": 31}
